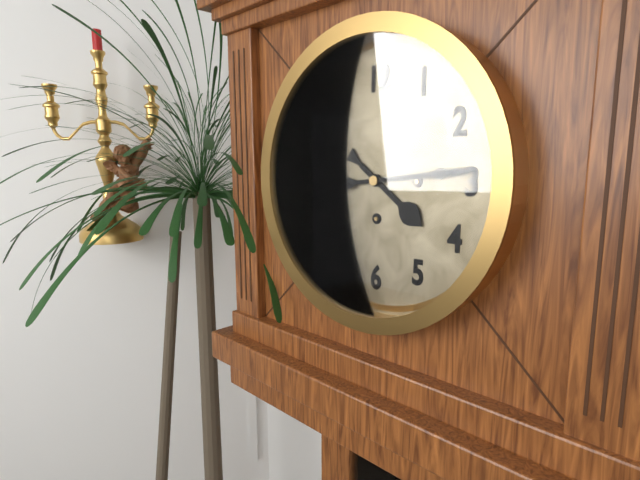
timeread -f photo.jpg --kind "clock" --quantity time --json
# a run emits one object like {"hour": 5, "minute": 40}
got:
{"hour": 4, "minute": 14}
